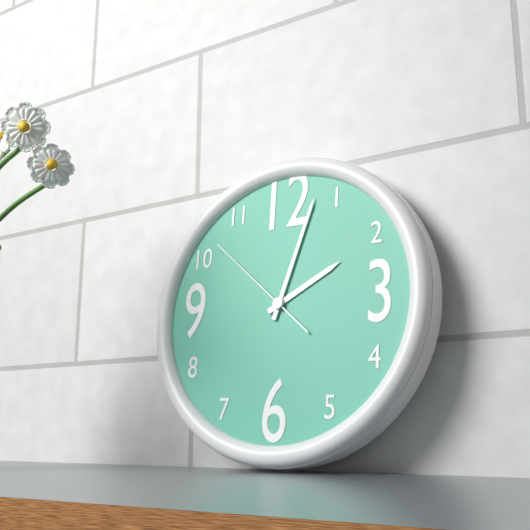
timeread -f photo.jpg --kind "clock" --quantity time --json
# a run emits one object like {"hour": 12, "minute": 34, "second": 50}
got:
{"hour": 2, "minute": 3, "second": 52}
